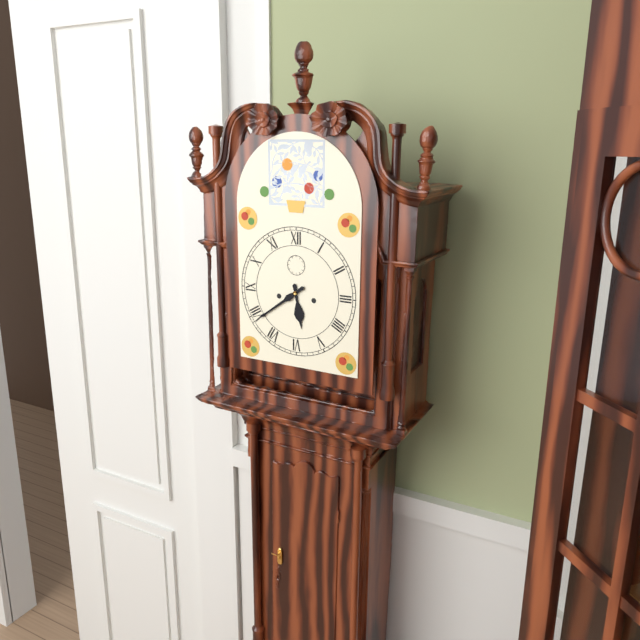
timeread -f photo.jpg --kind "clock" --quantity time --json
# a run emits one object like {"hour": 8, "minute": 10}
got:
{"hour": 5, "minute": 39}
